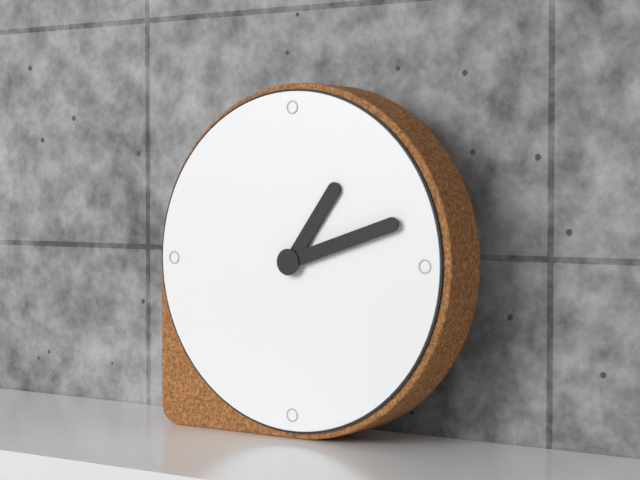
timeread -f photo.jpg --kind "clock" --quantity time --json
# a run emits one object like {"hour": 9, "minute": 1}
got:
{"hour": 1, "minute": 12}
